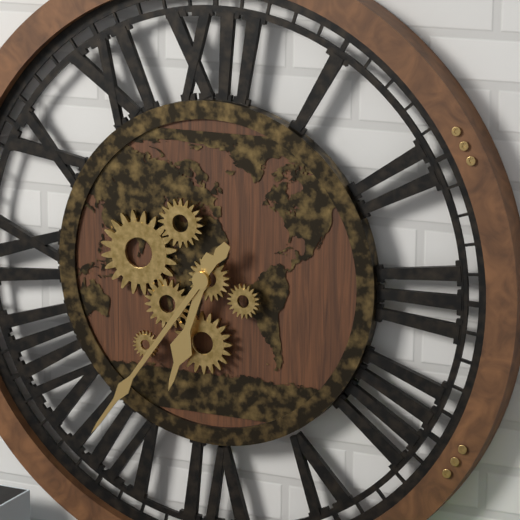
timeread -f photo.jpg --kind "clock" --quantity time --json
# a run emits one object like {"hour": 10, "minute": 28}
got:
{"hour": 6, "minute": 36}
